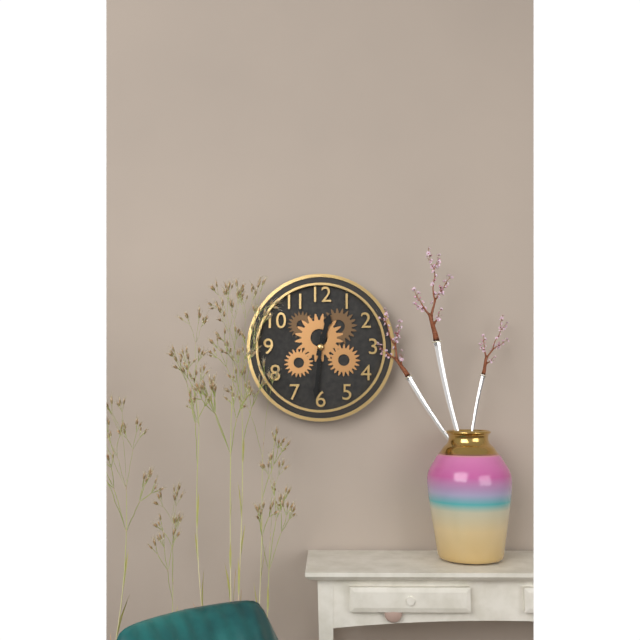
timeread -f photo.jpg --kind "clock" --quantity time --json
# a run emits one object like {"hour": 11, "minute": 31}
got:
{"hour": 12, "minute": 31}
